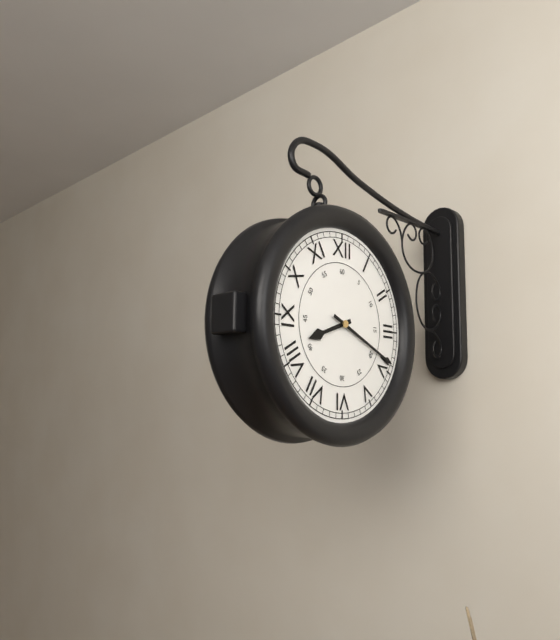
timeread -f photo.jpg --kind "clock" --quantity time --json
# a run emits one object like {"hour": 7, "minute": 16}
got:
{"hour": 8, "minute": 19}
